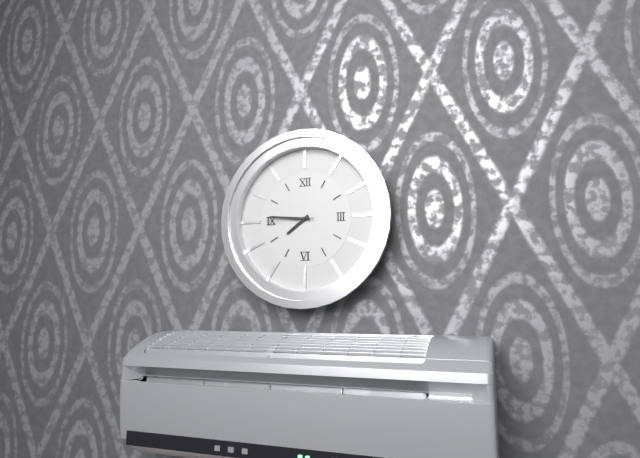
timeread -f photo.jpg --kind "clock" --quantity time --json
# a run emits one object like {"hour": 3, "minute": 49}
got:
{"hour": 7, "minute": 46}
